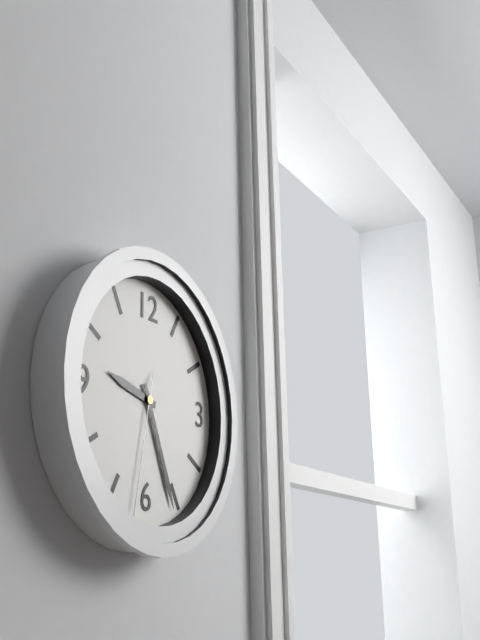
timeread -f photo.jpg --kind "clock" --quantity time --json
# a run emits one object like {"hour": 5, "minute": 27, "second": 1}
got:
{"hour": 9, "minute": 26, "second": 32}
